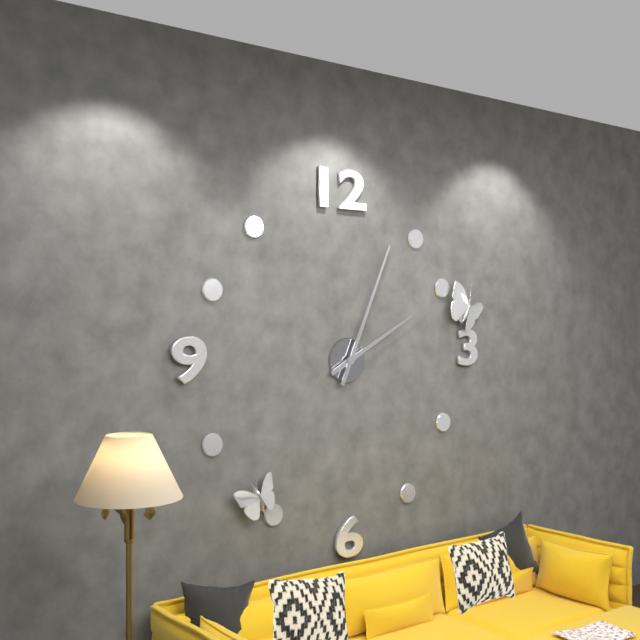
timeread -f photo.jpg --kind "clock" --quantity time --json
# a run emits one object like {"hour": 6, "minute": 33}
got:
{"hour": 2, "minute": 4}
